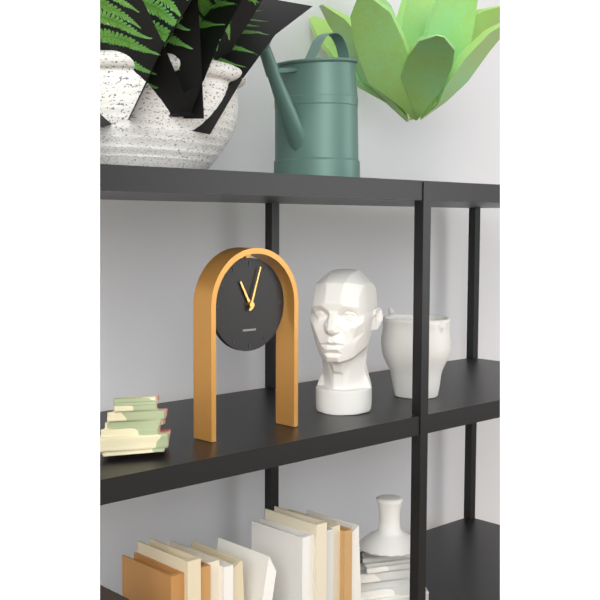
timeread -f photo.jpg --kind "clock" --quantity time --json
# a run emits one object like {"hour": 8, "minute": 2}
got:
{"hour": 11, "minute": 3}
